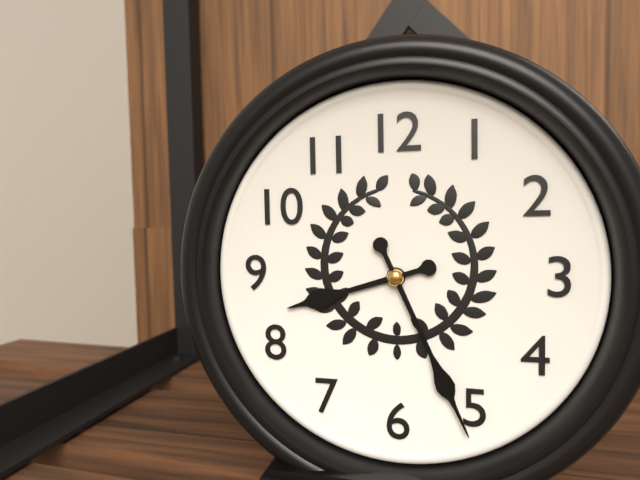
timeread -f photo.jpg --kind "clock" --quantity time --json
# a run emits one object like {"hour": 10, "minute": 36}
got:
{"hour": 8, "minute": 26}
